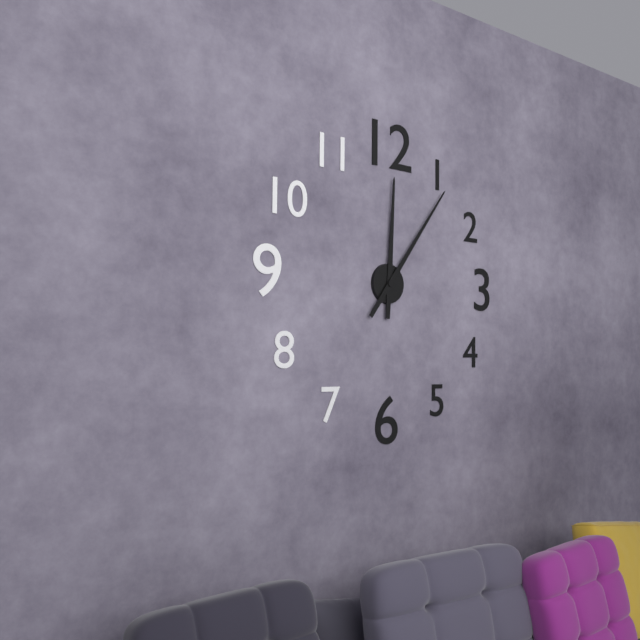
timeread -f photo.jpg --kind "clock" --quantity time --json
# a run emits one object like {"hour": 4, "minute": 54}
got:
{"hour": 12, "minute": 6}
